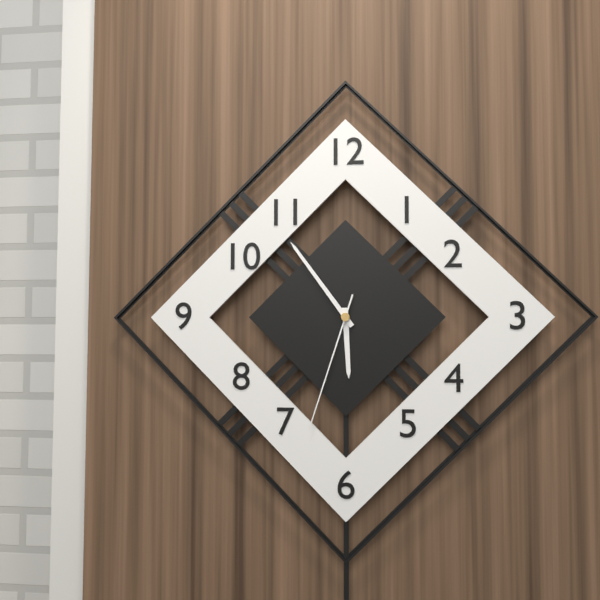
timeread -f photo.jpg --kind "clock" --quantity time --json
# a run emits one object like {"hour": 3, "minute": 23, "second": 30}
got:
{"hour": 5, "minute": 54, "second": 33}
